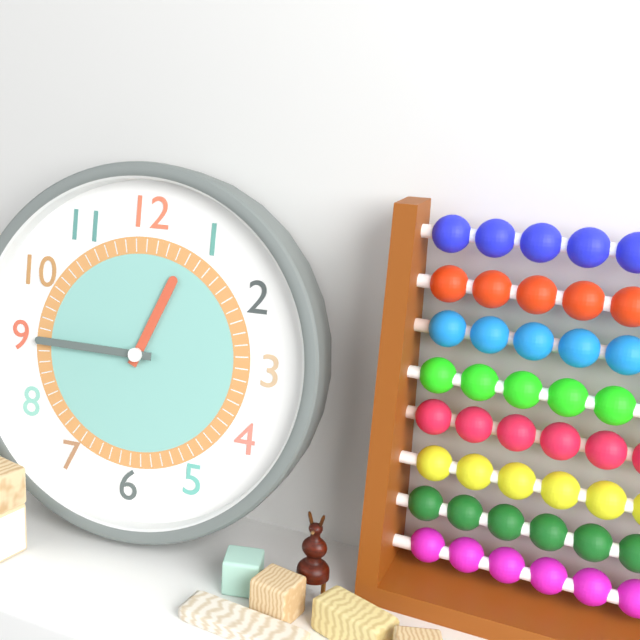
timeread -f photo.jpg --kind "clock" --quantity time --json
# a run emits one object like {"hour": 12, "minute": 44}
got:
{"hour": 12, "minute": 45}
